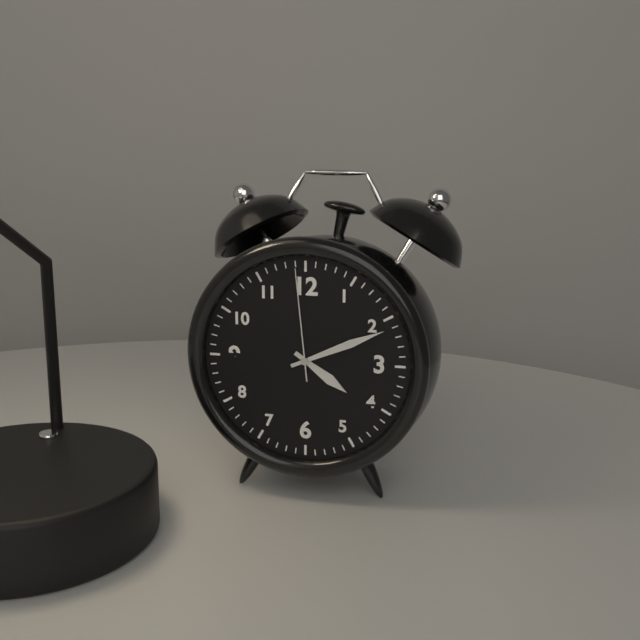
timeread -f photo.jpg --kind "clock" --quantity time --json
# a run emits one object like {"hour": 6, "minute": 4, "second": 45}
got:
{"hour": 4, "minute": 11, "second": 59}
